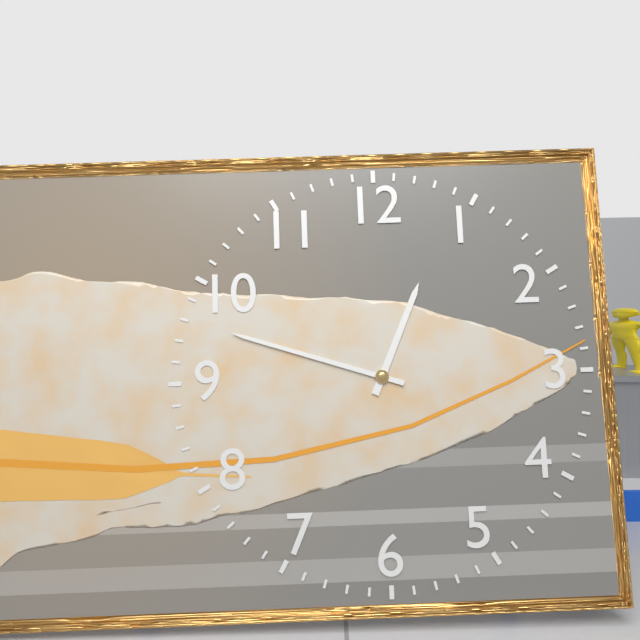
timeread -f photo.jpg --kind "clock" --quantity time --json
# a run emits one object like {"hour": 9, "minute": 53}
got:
{"hour": 12, "minute": 48}
